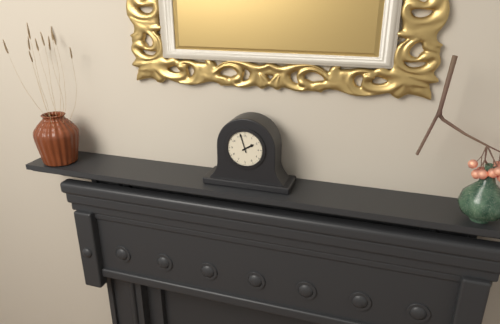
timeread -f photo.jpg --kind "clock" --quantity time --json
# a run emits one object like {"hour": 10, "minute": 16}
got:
{"hour": 1, "minute": 57}
